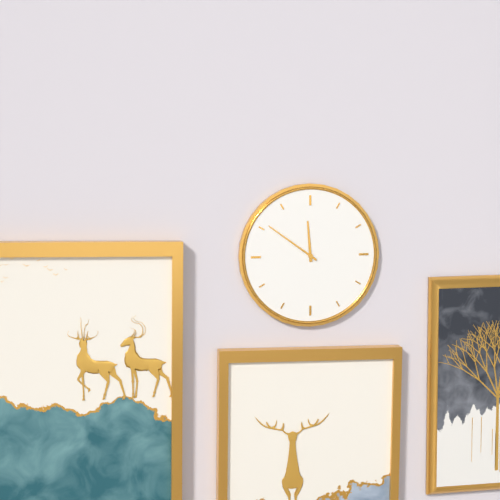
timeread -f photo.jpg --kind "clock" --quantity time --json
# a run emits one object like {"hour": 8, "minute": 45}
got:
{"hour": 11, "minute": 51}
